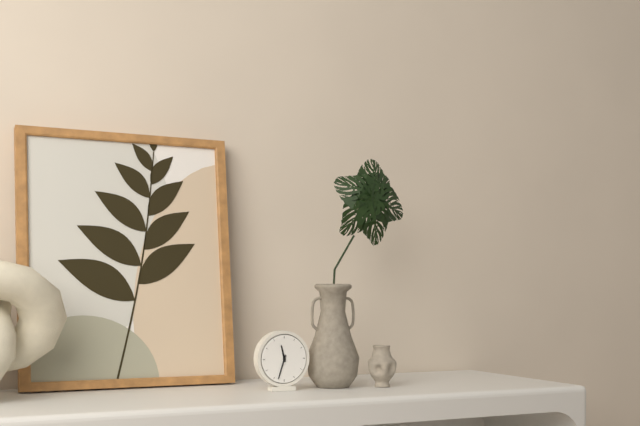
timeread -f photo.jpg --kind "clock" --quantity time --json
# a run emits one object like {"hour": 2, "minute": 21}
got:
{"hour": 11, "minute": 33}
